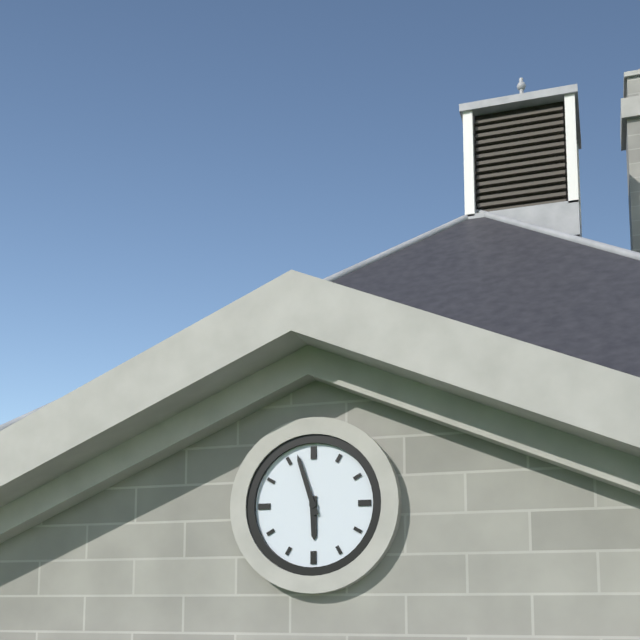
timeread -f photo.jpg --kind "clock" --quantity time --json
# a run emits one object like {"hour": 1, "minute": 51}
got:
{"hour": 5, "minute": 57}
